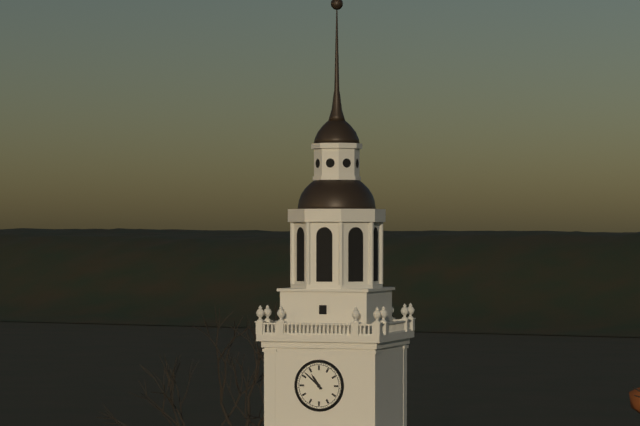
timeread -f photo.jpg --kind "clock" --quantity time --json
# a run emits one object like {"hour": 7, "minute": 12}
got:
{"hour": 10, "minute": 52}
